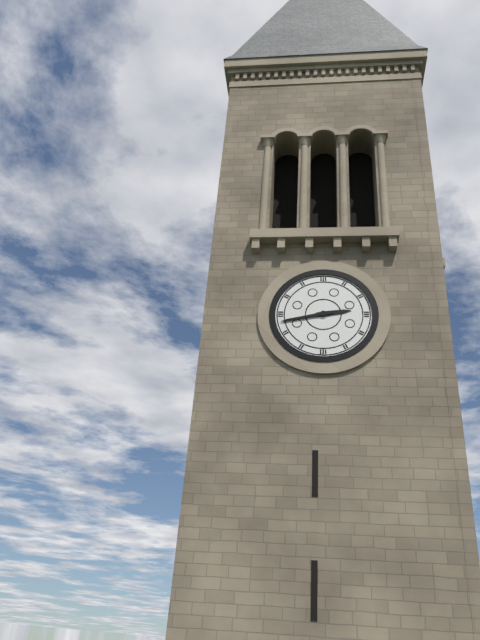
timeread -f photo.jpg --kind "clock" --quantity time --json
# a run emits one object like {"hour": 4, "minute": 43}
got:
{"hour": 2, "minute": 43}
